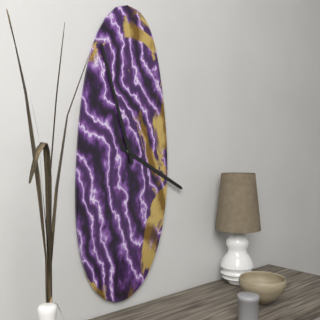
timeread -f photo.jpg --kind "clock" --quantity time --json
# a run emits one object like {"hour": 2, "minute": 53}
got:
{"hour": 3, "minute": 57}
